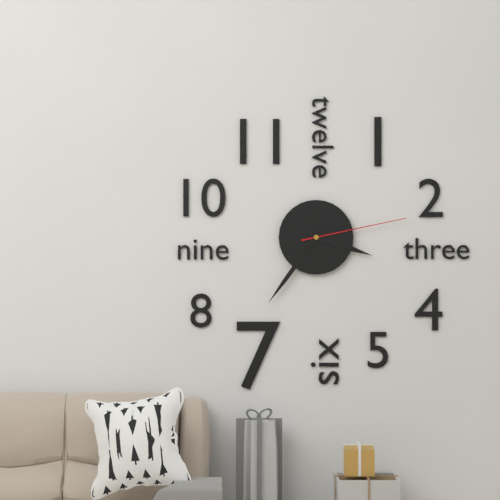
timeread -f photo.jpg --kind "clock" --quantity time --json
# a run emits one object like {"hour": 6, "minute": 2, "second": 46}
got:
{"hour": 3, "minute": 36, "second": 13}
